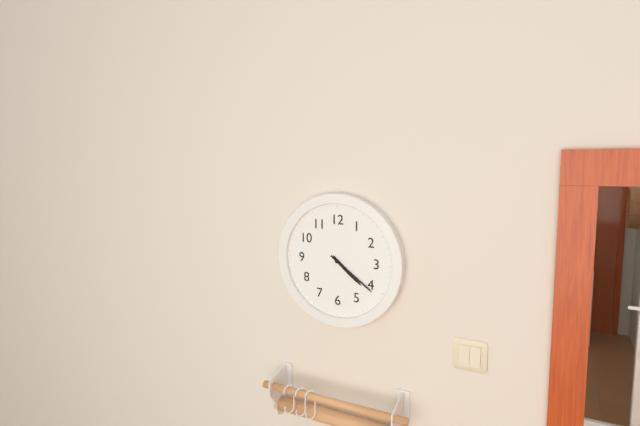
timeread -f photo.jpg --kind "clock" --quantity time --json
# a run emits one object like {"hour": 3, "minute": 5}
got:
{"hour": 4, "minute": 21}
